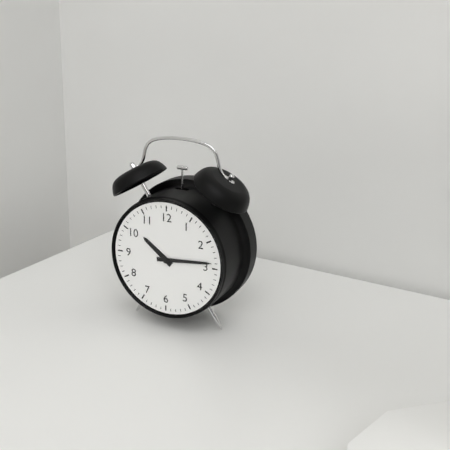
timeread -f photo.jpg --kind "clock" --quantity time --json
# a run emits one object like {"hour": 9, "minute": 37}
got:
{"hour": 10, "minute": 14}
